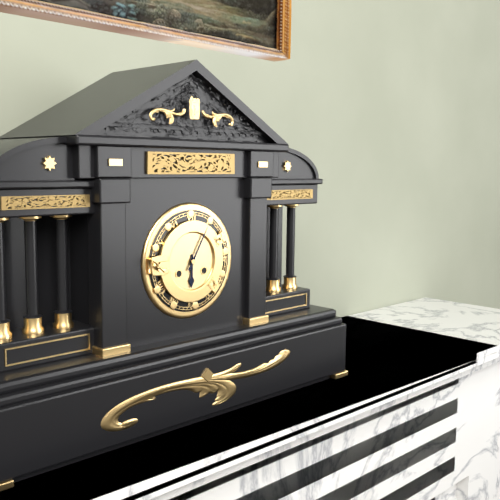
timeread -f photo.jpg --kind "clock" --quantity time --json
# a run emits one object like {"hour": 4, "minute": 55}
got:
{"hour": 6, "minute": 5}
